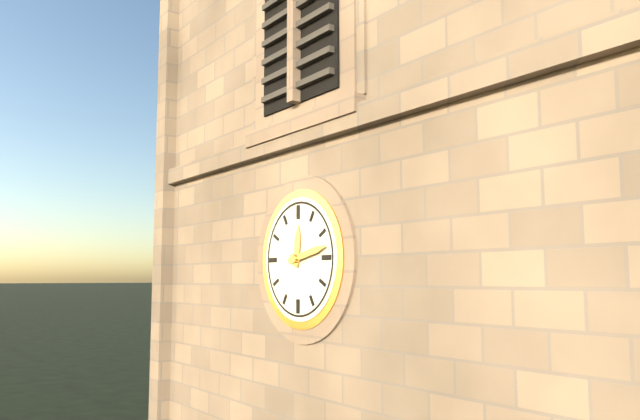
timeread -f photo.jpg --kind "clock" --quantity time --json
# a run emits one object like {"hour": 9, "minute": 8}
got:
{"hour": 12, "minute": 13}
